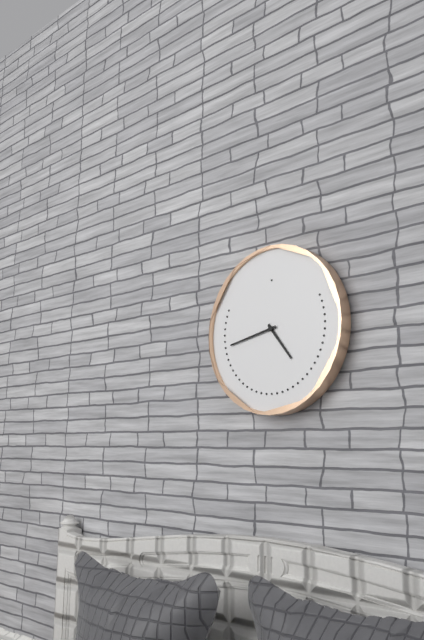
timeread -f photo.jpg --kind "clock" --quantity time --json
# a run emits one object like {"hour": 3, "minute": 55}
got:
{"hour": 4, "minute": 43}
